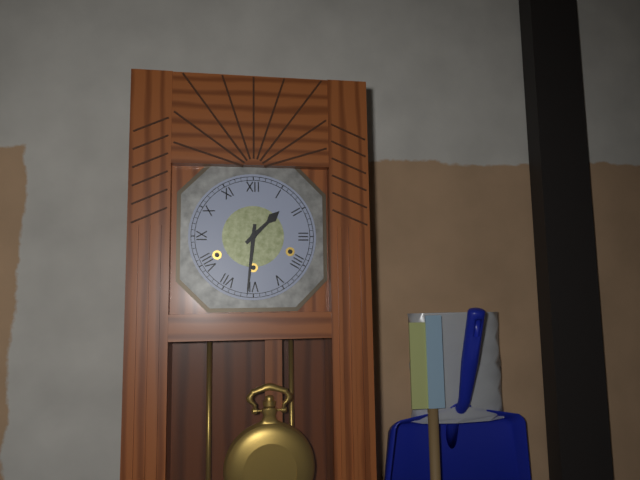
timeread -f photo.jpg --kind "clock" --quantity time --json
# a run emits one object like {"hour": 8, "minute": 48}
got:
{"hour": 1, "minute": 31}
